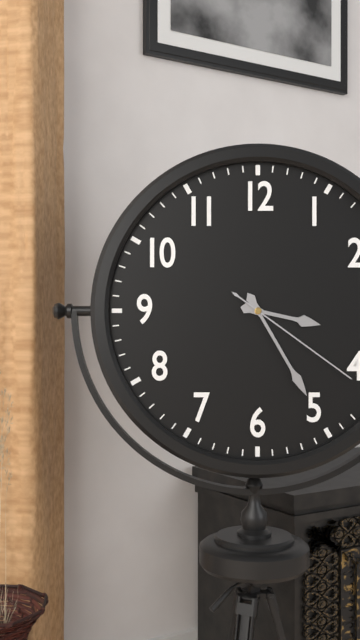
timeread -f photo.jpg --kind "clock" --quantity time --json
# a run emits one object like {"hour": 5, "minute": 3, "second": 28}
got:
{"hour": 3, "minute": 25, "second": 21}
